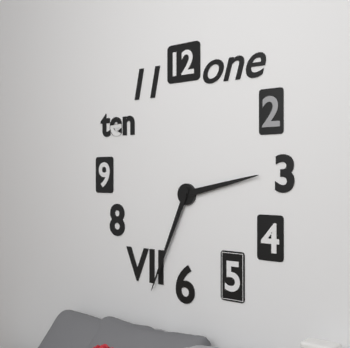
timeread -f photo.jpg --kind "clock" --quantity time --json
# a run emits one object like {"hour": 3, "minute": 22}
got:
{"hour": 2, "minute": 34}
